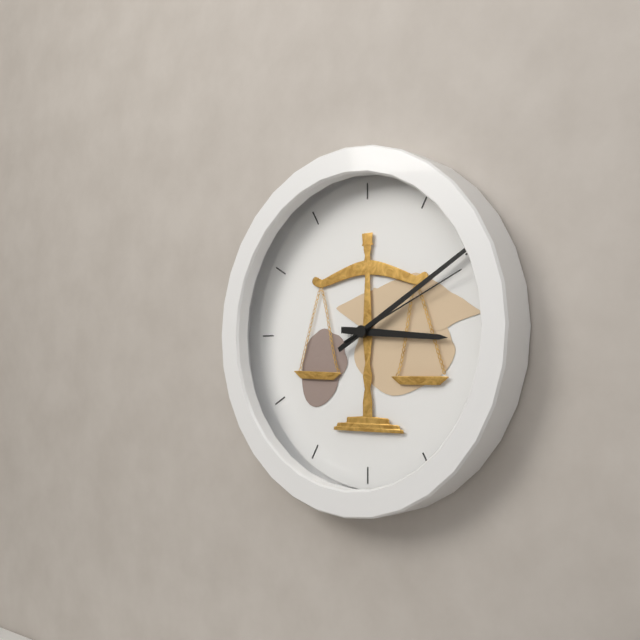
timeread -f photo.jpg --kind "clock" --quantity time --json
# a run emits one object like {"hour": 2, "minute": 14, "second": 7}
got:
{"hour": 3, "minute": 10, "second": 11}
